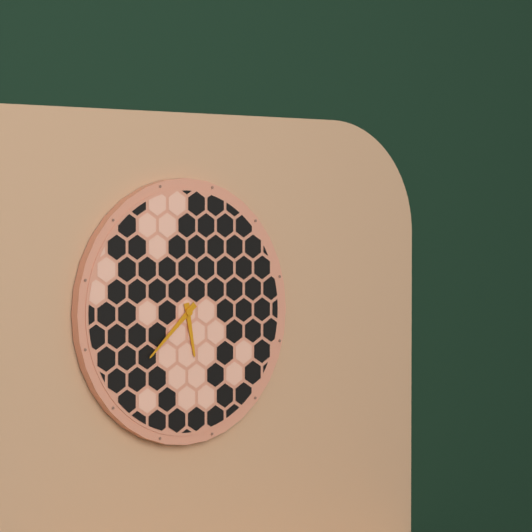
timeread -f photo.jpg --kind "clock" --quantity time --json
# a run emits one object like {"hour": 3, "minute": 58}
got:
{"hour": 5, "minute": 38}
